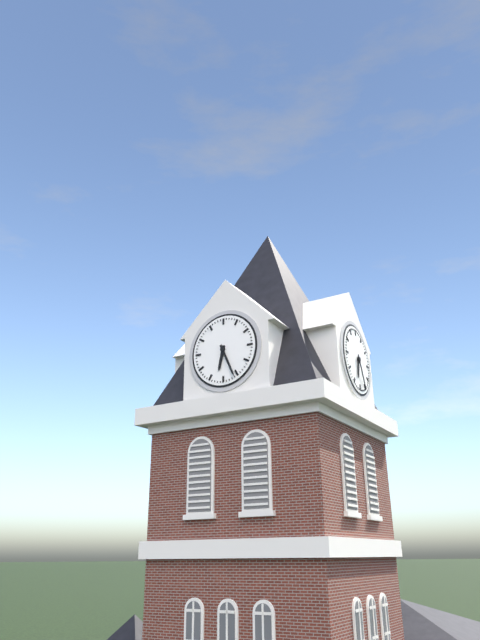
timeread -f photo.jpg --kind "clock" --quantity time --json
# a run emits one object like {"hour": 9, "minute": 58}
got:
{"hour": 6, "minute": 26}
